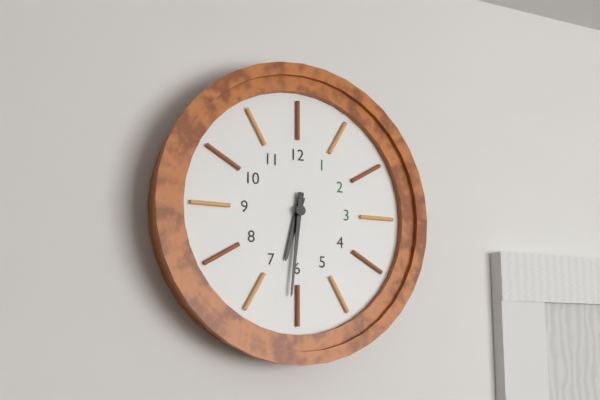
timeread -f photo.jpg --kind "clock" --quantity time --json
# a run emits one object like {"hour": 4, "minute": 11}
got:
{"hour": 6, "minute": 31}
